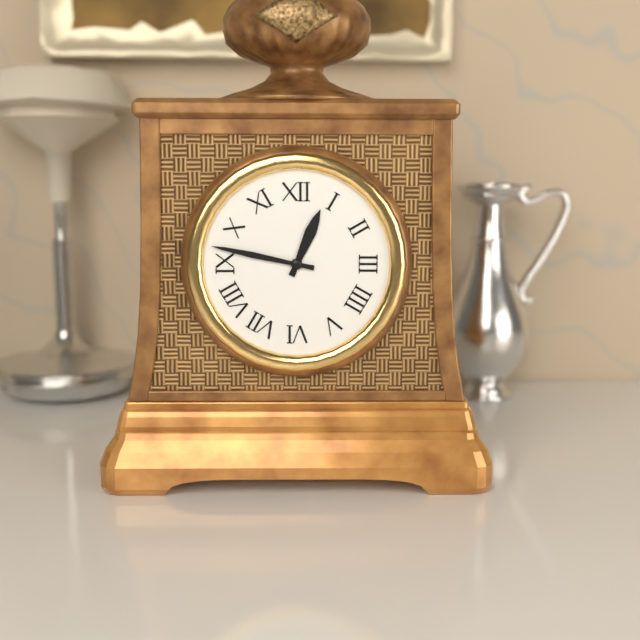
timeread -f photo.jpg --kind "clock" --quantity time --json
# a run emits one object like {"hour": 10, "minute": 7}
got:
{"hour": 12, "minute": 47}
